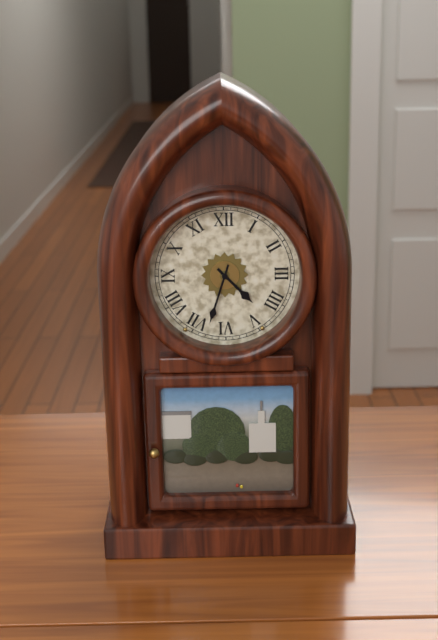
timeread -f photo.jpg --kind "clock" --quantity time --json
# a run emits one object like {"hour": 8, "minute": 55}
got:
{"hour": 4, "minute": 33}
